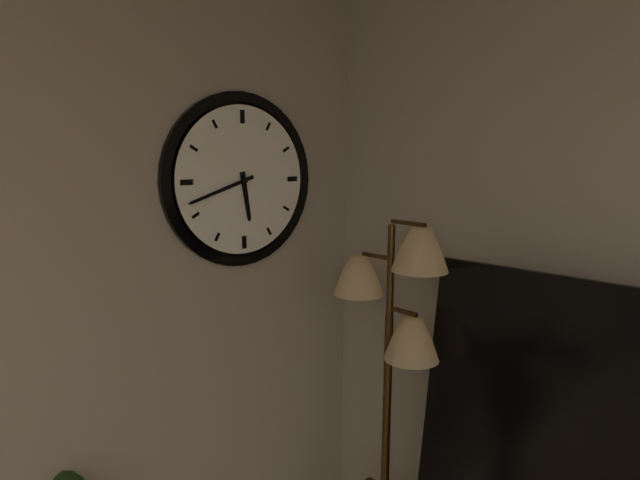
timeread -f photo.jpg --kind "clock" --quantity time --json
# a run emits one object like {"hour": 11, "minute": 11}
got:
{"hour": 5, "minute": 42}
